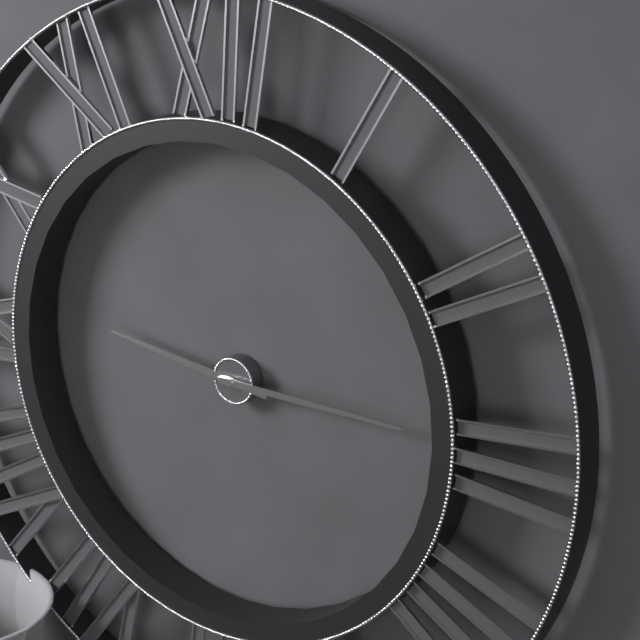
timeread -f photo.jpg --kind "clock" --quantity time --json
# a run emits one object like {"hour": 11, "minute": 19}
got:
{"hour": 9, "minute": 15}
